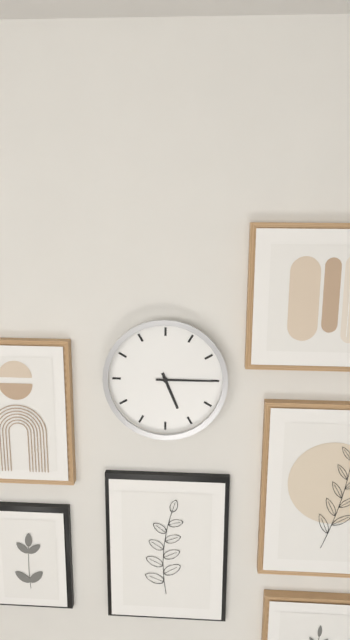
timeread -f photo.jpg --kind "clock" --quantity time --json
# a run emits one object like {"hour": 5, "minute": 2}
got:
{"hour": 5, "minute": 15}
